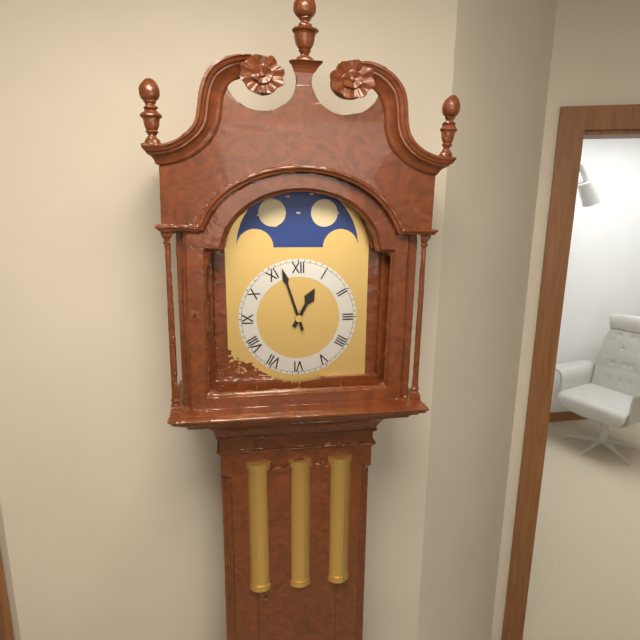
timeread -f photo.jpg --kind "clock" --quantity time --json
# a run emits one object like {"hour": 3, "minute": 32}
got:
{"hour": 12, "minute": 57}
